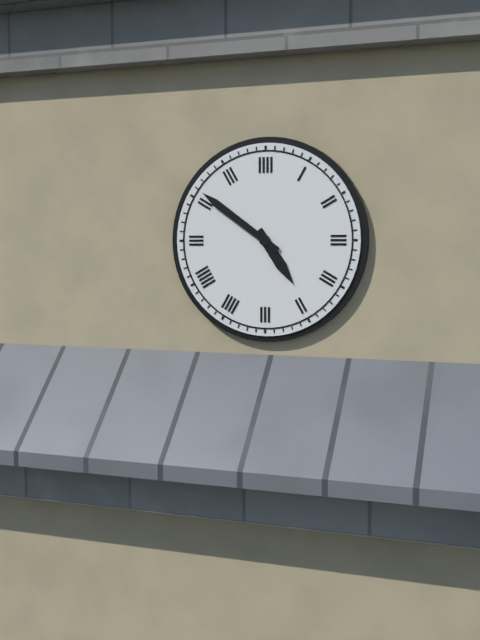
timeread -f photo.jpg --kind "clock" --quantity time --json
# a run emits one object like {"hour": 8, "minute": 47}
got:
{"hour": 4, "minute": 51}
